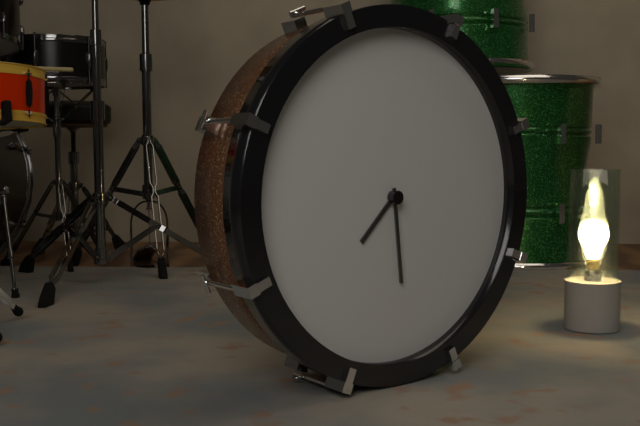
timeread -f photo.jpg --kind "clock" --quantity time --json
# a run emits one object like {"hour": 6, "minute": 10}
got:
{"hour": 7, "minute": 29}
